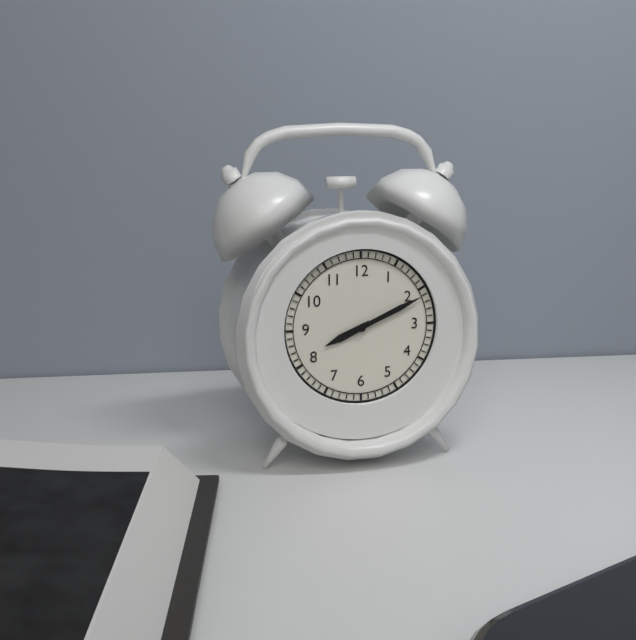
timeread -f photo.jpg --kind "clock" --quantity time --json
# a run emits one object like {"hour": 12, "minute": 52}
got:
{"hour": 8, "minute": 11}
